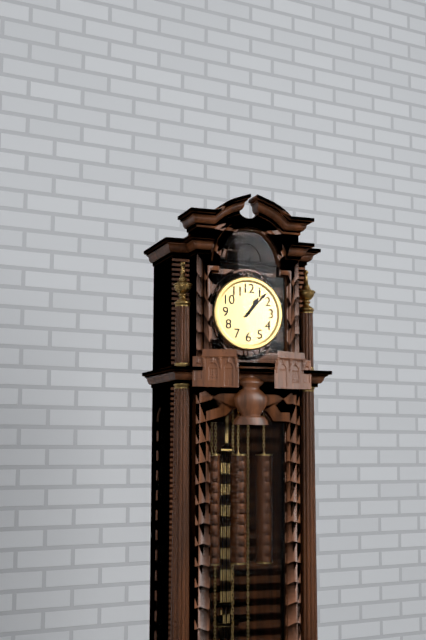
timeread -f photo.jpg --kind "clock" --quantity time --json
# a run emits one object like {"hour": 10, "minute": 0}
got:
{"hour": 1, "minute": 7}
